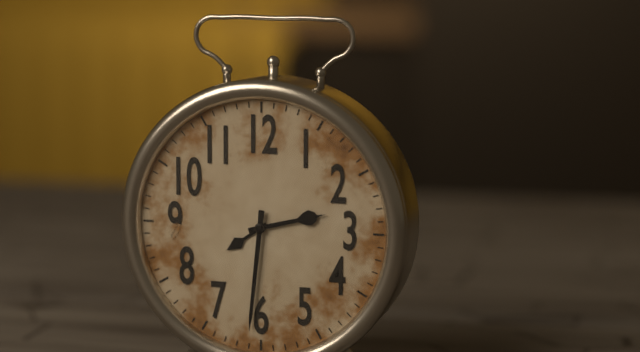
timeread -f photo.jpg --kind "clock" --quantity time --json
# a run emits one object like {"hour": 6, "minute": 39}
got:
{"hour": 2, "minute": 31}
